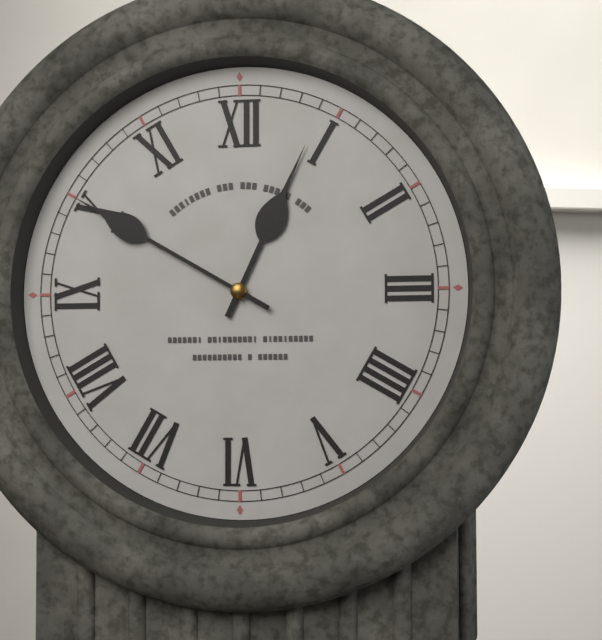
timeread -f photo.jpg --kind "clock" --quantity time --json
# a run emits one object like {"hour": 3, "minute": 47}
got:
{"hour": 12, "minute": 50}
